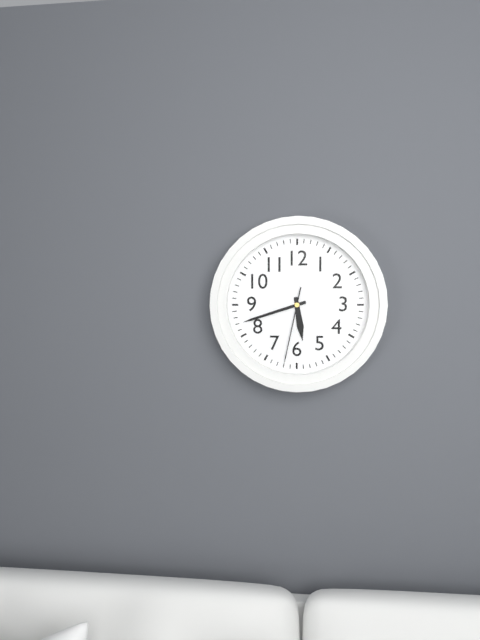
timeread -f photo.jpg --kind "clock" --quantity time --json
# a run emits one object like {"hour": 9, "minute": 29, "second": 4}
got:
{"hour": 5, "minute": 42, "second": 32}
